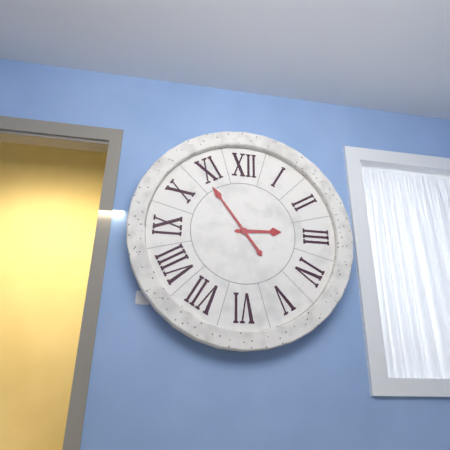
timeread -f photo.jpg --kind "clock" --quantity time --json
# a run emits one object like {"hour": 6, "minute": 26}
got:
{"hour": 2, "minute": 54}
